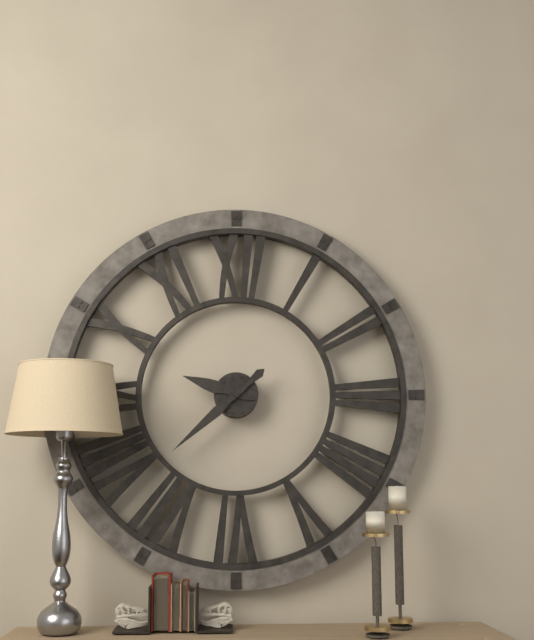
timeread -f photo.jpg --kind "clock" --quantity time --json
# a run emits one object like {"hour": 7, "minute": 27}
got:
{"hour": 9, "minute": 38}
